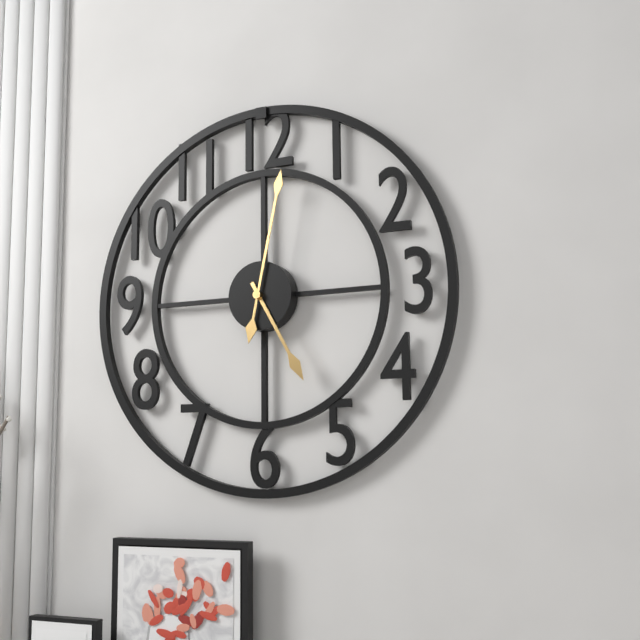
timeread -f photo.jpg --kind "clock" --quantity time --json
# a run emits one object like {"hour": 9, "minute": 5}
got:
{"hour": 5, "minute": 2}
